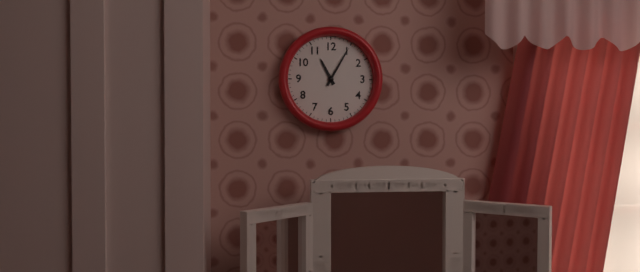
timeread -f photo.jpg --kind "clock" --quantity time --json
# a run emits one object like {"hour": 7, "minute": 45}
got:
{"hour": 11, "minute": 5}
